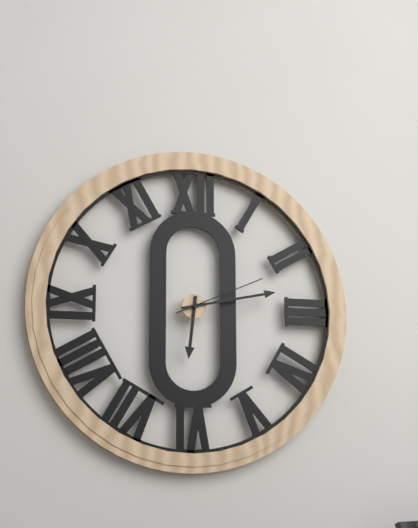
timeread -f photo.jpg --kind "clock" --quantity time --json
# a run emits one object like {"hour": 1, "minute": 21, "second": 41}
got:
{"hour": 6, "minute": 13, "second": 11}
